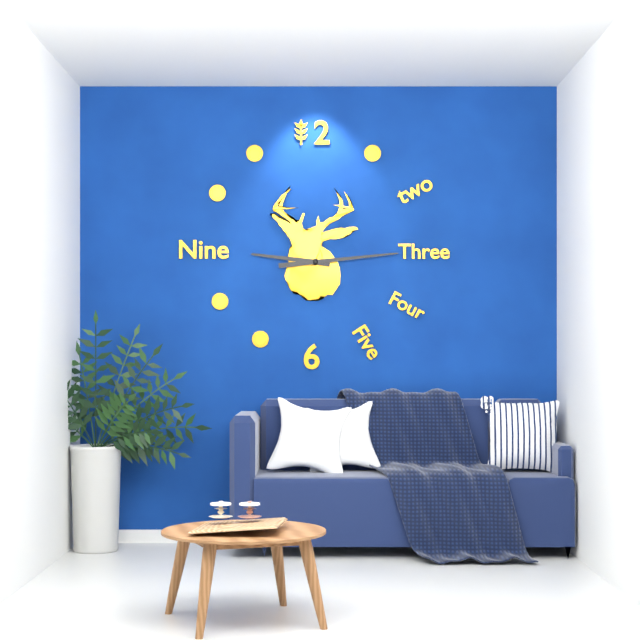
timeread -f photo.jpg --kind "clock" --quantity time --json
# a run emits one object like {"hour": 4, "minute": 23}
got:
{"hour": 9, "minute": 14}
